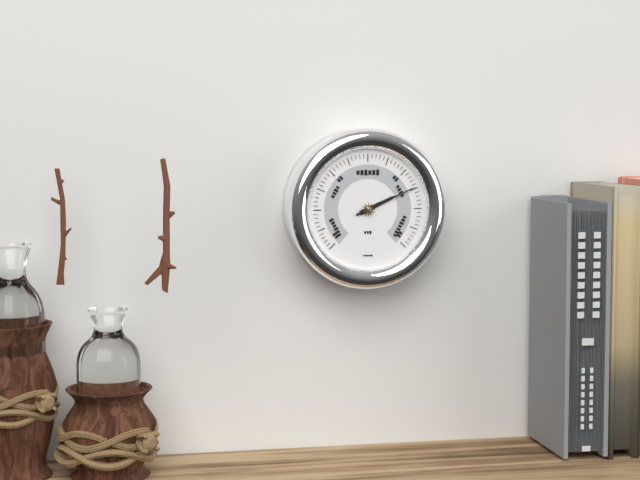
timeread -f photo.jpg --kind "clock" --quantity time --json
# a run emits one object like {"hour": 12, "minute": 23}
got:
{"hour": 2, "minute": 11}
